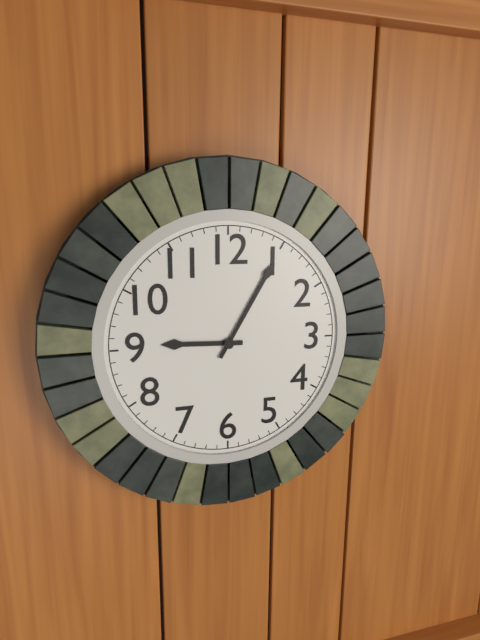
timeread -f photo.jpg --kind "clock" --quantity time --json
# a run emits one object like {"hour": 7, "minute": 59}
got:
{"hour": 9, "minute": 5}
